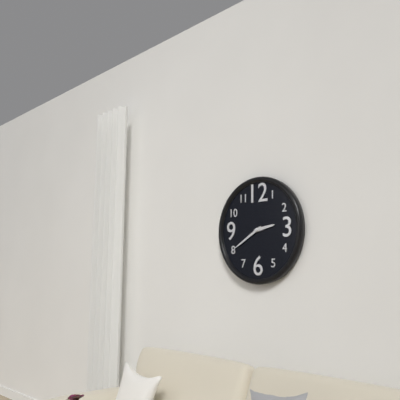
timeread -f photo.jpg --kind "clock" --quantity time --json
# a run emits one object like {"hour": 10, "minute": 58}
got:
{"hour": 2, "minute": 40}
